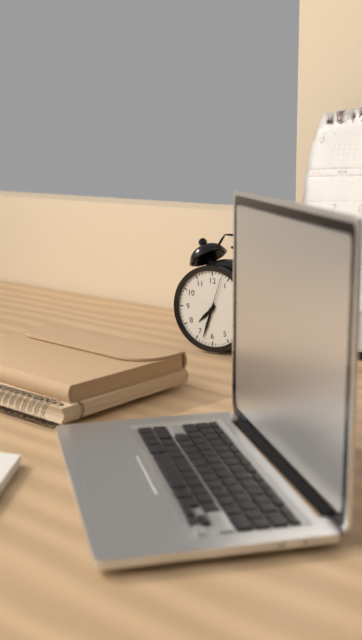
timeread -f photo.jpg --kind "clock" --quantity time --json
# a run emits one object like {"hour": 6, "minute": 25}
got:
{"hour": 7, "minute": 33}
